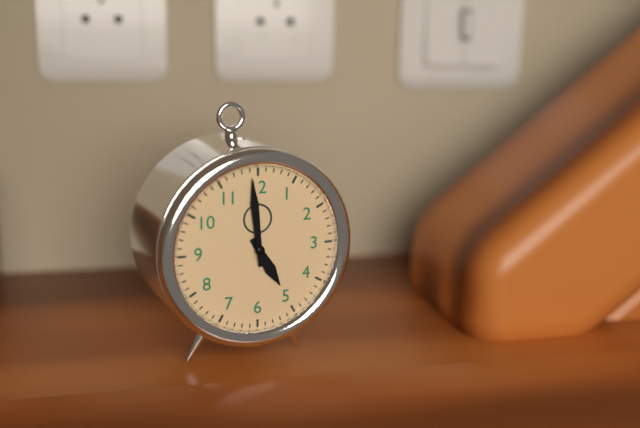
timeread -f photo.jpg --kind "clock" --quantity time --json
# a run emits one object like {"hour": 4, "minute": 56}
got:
{"hour": 4, "minute": 59}
